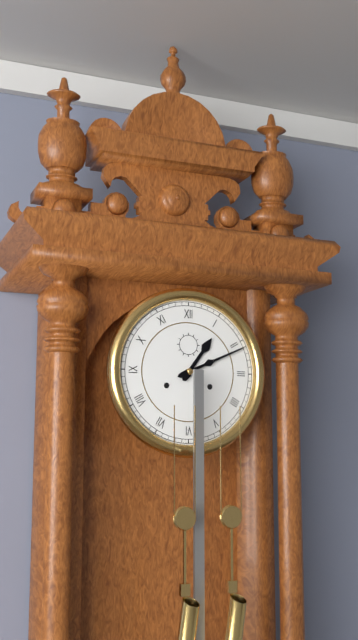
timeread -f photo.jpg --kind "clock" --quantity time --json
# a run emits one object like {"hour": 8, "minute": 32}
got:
{"hour": 1, "minute": 11}
